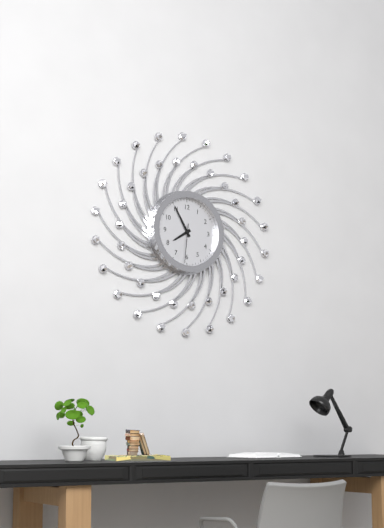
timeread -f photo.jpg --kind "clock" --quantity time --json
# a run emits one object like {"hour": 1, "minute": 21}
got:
{"hour": 7, "minute": 55}
